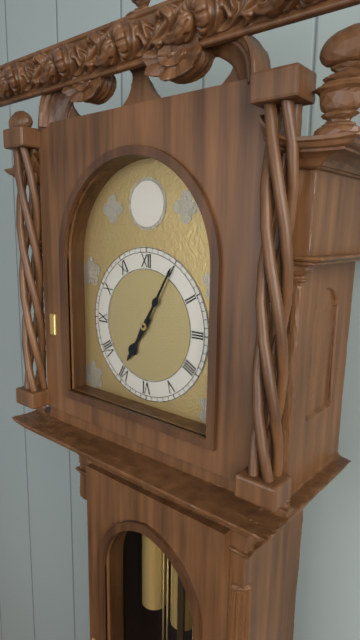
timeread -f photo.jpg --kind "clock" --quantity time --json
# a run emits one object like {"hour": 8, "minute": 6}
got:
{"hour": 7, "minute": 5}
